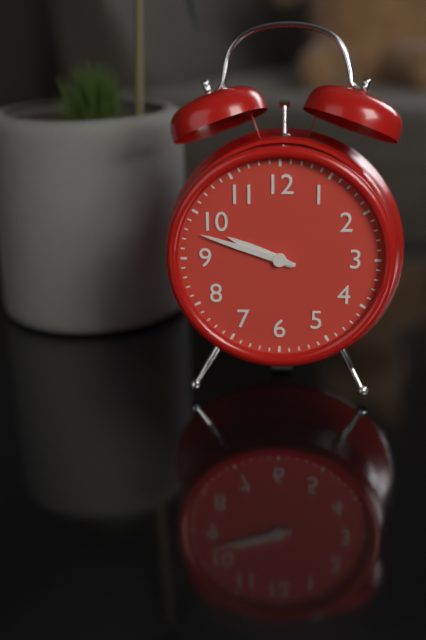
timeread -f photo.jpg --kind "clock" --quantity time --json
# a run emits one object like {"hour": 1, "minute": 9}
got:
{"hour": 9, "minute": 48}
